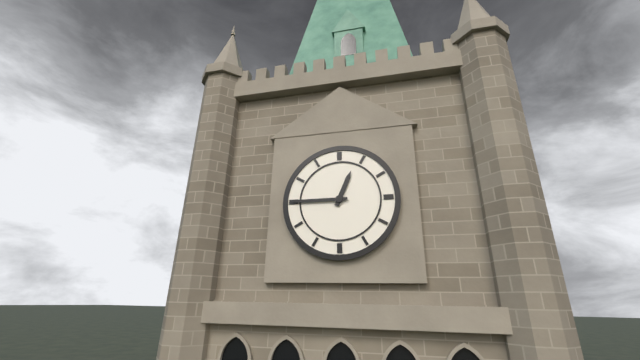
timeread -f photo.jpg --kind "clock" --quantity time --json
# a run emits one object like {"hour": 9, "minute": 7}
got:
{"hour": 12, "minute": 45}
